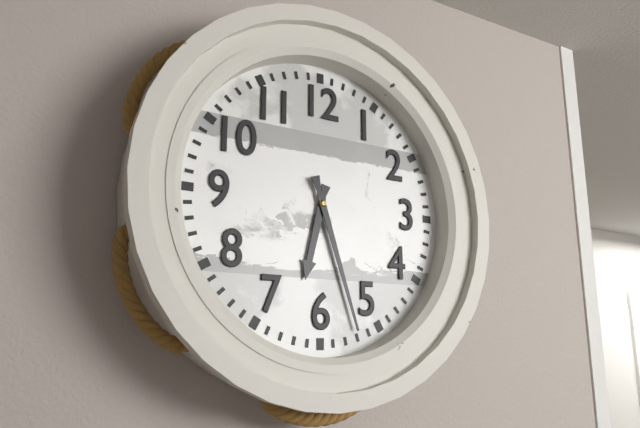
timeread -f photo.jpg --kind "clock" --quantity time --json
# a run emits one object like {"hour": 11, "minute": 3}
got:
{"hour": 6, "minute": 27}
